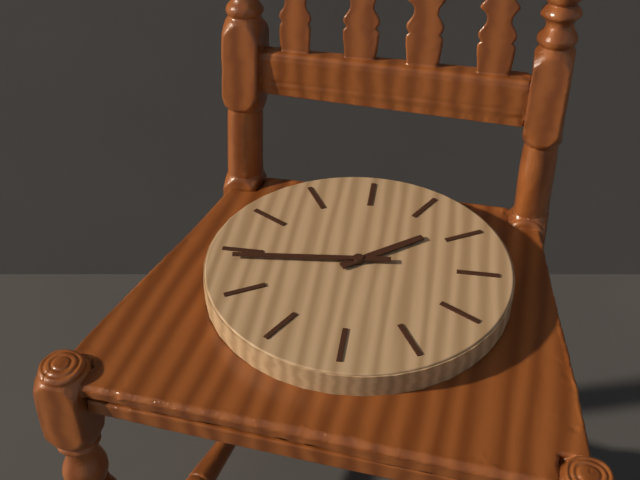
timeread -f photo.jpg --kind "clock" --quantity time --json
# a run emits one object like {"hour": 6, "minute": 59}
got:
{"hour": 1, "minute": 44}
